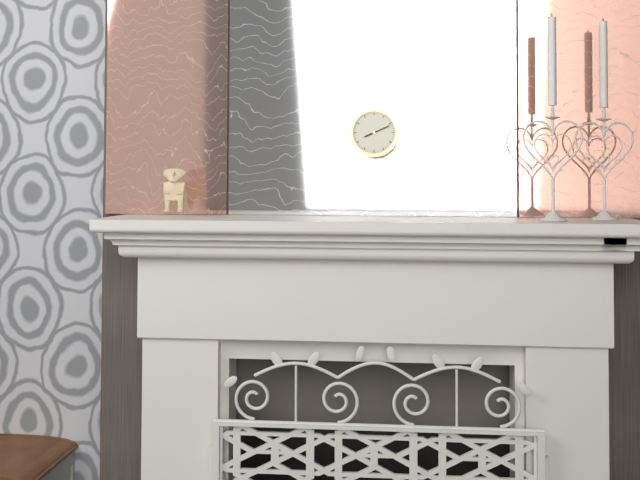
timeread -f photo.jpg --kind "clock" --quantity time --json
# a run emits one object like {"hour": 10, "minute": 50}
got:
{"hour": 8, "minute": 11}
